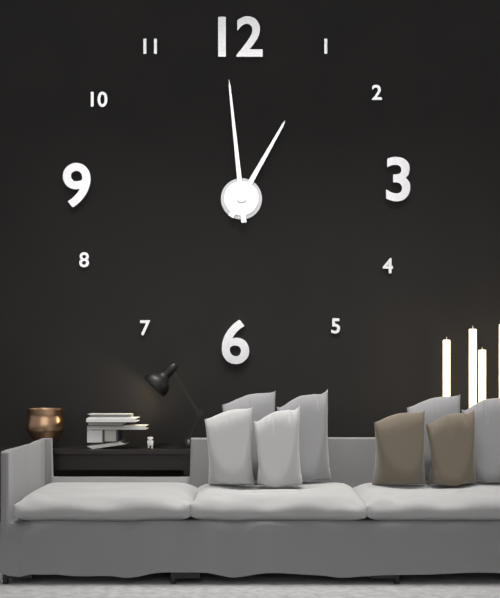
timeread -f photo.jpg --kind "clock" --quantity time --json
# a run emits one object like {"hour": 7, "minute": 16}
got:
{"hour": 12, "minute": 59}
